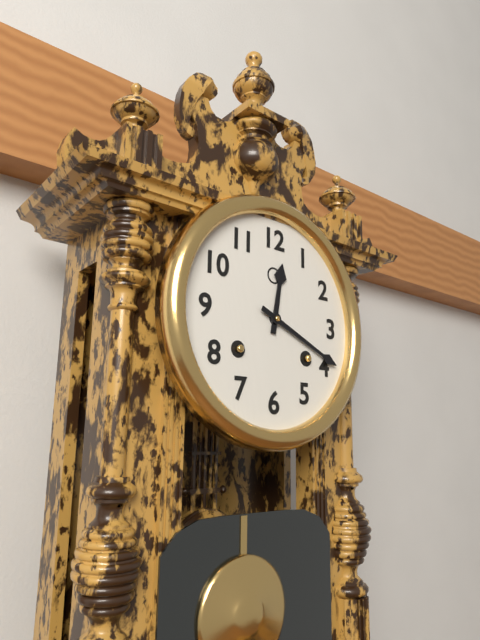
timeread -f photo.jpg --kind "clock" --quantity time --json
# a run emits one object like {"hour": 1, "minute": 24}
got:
{"hour": 12, "minute": 19}
